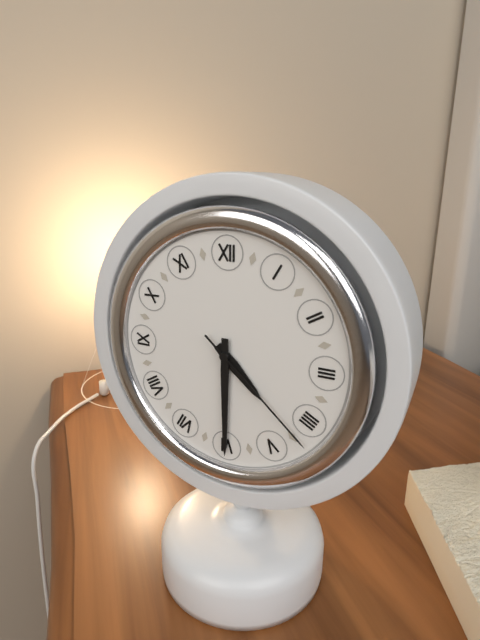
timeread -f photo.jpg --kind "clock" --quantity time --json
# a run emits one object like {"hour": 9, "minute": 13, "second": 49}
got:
{"hour": 4, "minute": 30, "second": 22}
